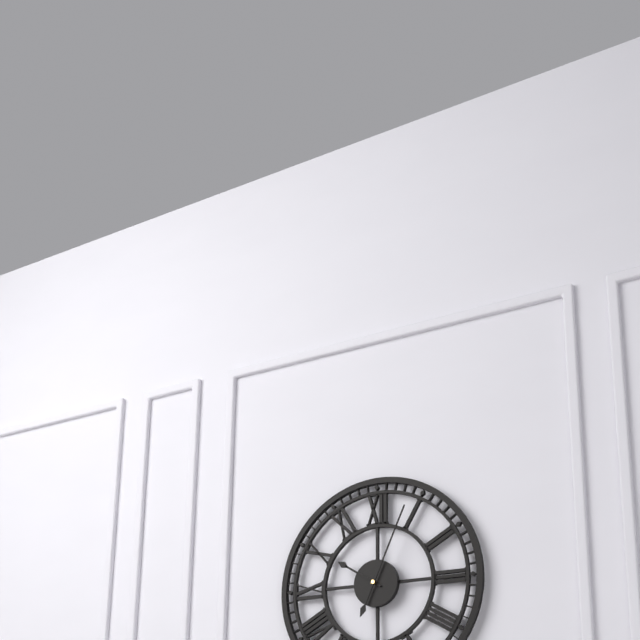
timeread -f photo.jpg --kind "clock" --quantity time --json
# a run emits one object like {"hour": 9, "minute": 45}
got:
{"hour": 10, "minute": 4}
